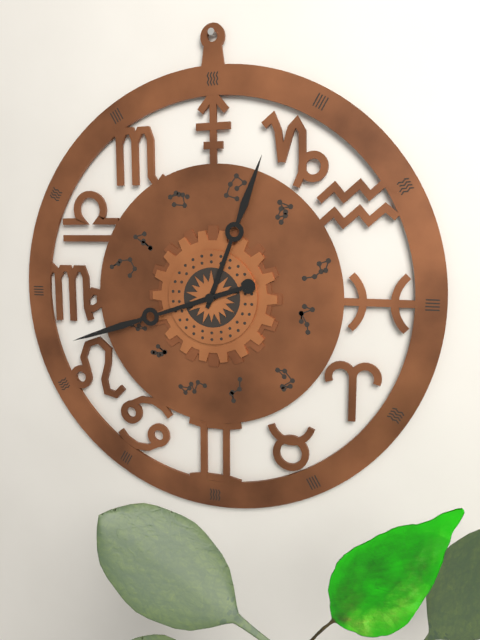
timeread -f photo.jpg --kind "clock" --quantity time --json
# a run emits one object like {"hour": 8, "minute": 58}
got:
{"hour": 12, "minute": 42}
